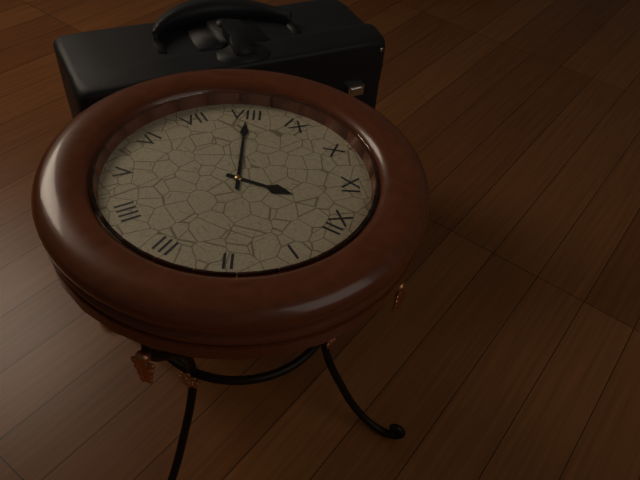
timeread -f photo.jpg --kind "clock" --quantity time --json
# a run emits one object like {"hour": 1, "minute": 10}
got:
{"hour": 11, "minute": 40}
